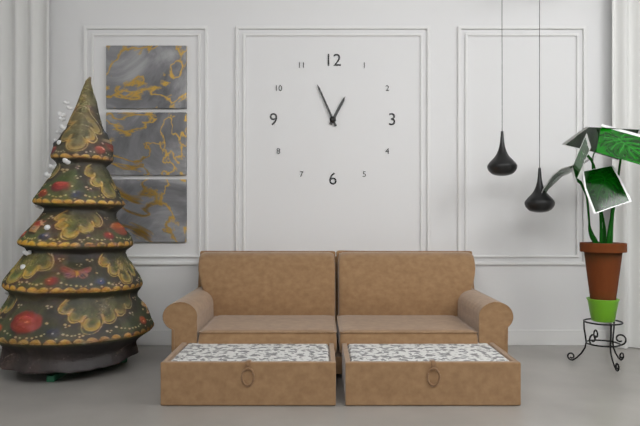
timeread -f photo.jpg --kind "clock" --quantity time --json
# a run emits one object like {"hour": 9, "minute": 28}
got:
{"hour": 12, "minute": 56}
